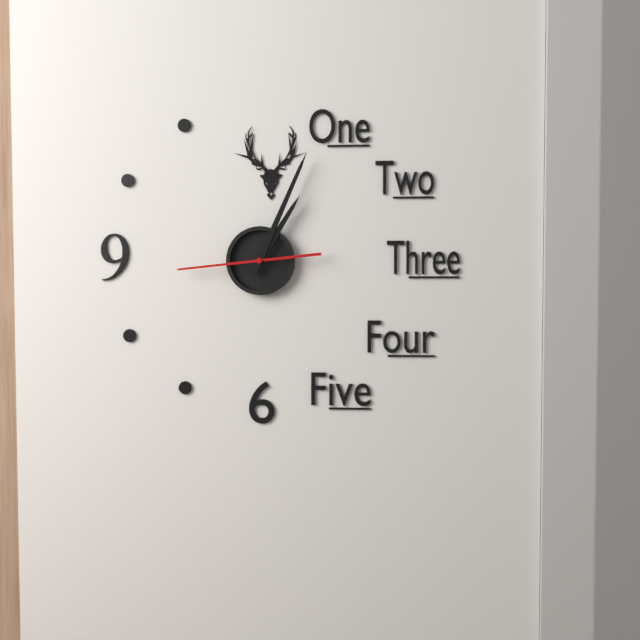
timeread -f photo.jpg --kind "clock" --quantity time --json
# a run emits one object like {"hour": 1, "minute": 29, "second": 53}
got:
{"hour": 1, "minute": 4, "second": 44}
